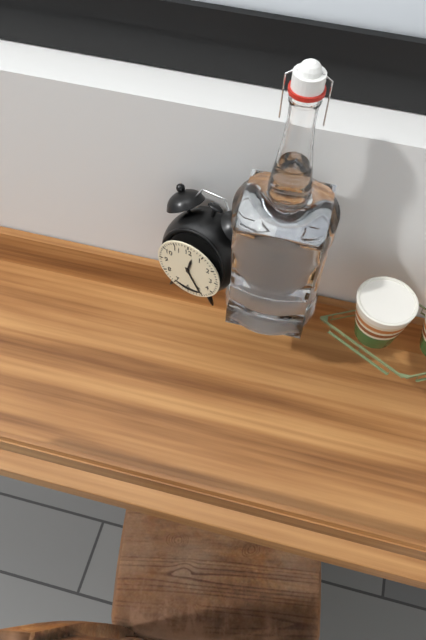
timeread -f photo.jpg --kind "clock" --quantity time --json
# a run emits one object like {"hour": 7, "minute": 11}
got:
{"hour": 12, "minute": 25}
